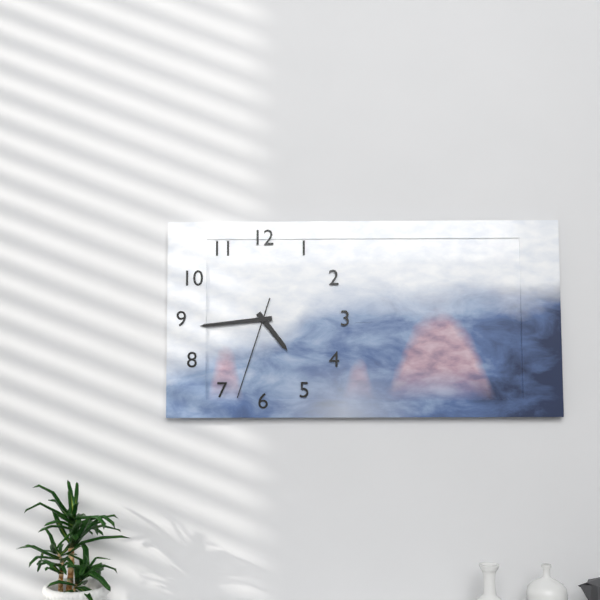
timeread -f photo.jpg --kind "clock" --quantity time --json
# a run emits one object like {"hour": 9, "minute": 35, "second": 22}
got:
{"hour": 4, "minute": 44, "second": 33}
